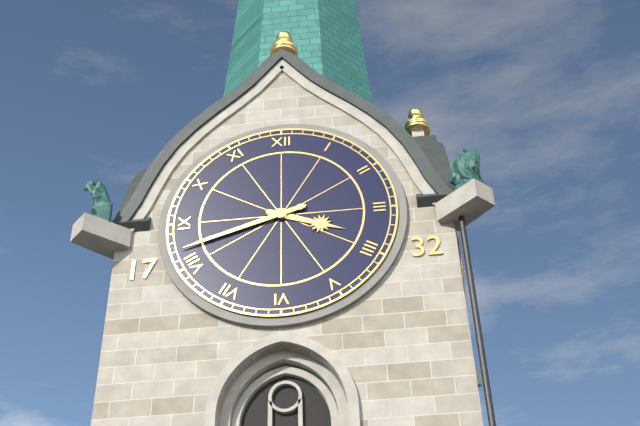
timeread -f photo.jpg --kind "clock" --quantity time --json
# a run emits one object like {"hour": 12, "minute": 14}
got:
{"hour": 3, "minute": 42}
